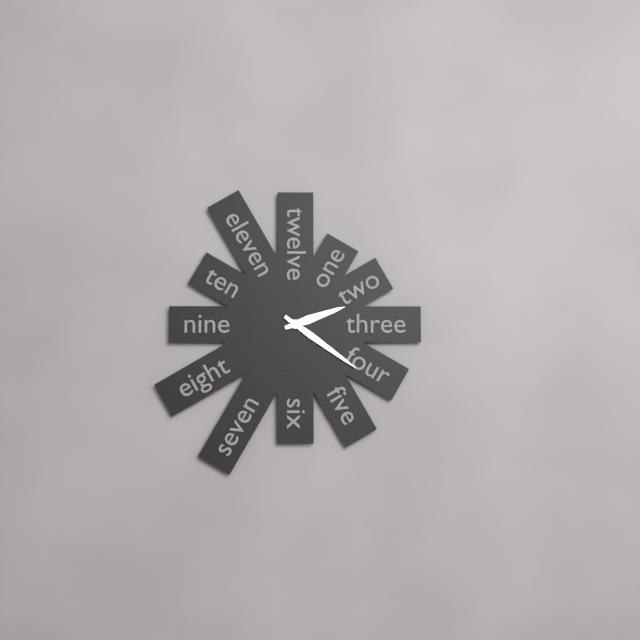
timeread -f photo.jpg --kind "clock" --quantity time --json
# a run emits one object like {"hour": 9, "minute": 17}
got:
{"hour": 2, "minute": 21}
